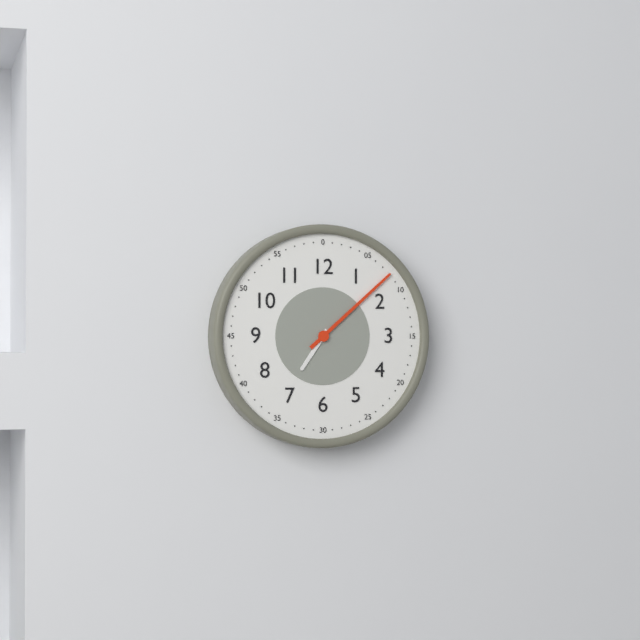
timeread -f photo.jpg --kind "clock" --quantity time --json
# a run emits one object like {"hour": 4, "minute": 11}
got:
{"hour": 7, "minute": 8}
